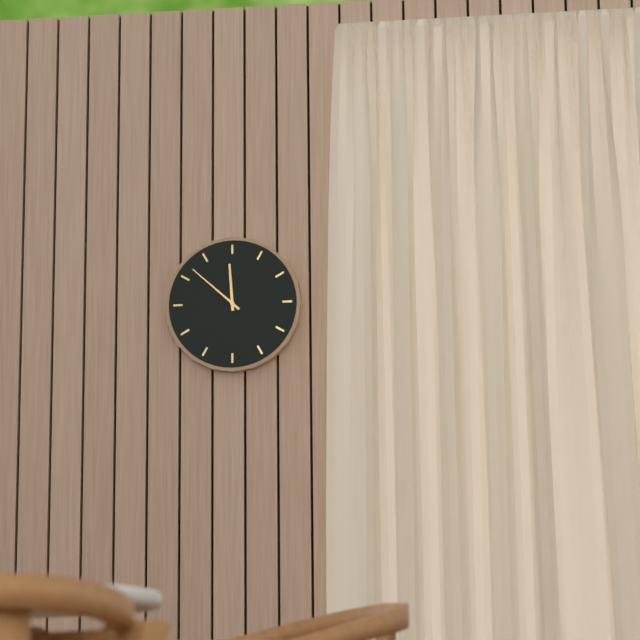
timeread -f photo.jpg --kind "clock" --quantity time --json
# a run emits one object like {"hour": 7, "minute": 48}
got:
{"hour": 11, "minute": 52}
